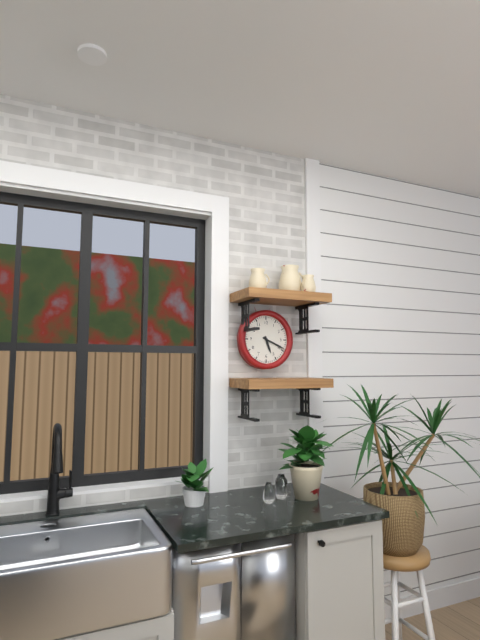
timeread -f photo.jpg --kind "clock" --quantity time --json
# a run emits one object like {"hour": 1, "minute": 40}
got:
{"hour": 5, "minute": 19}
